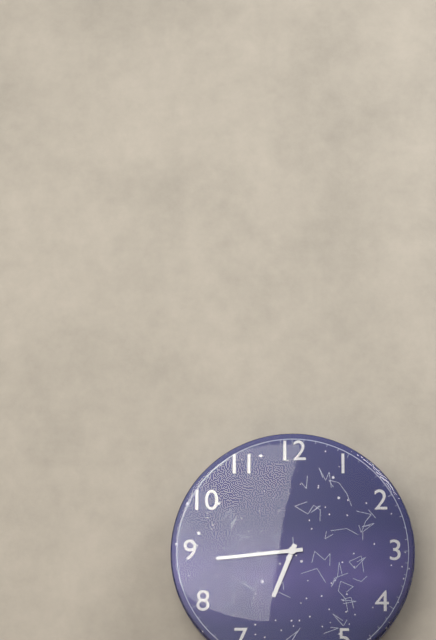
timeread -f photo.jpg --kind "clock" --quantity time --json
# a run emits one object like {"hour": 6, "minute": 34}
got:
{"hour": 6, "minute": 44}
